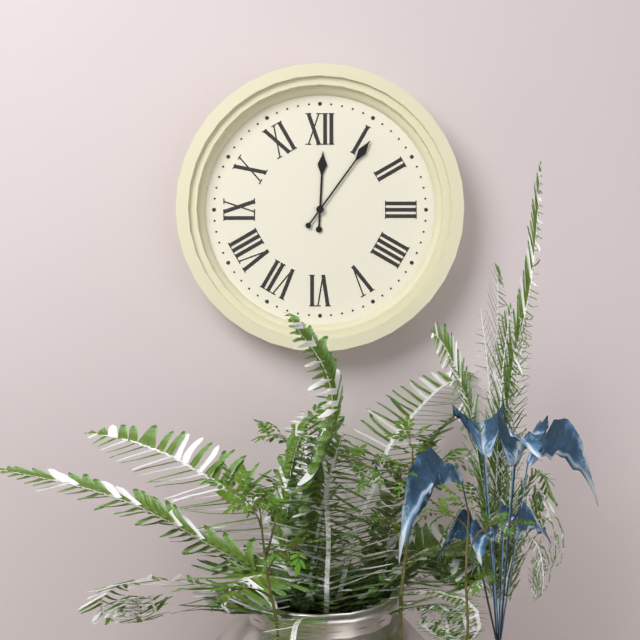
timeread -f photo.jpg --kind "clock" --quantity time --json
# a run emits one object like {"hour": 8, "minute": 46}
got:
{"hour": 12, "minute": 6}
